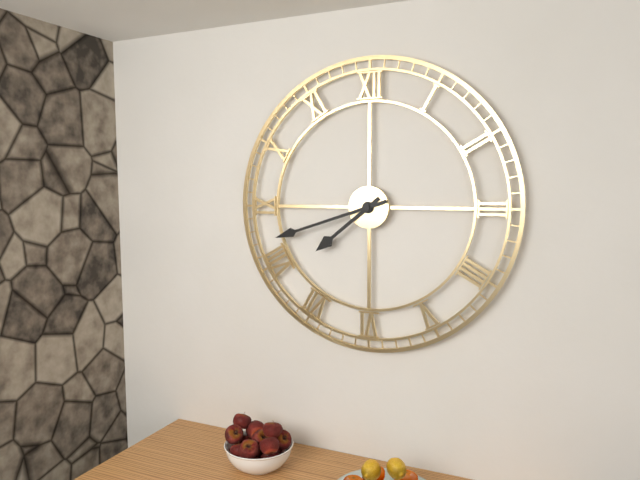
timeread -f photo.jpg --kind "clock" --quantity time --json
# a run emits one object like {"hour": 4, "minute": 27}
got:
{"hour": 7, "minute": 42}
